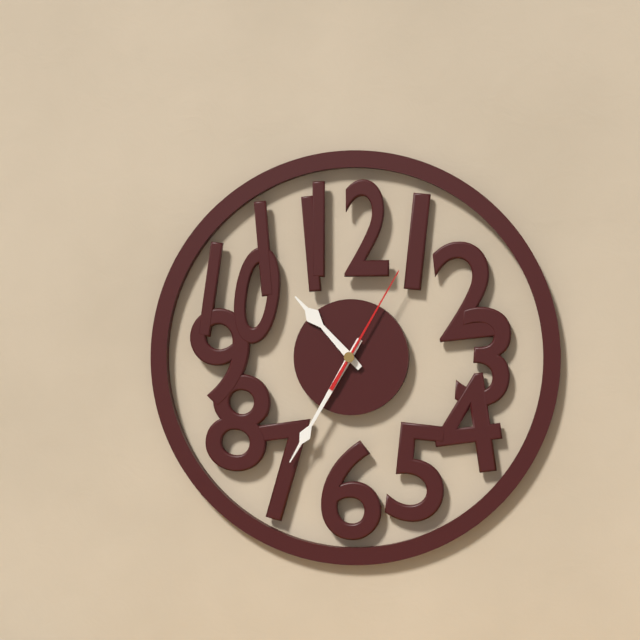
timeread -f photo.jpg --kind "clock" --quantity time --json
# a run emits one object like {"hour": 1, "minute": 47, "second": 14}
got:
{"hour": 10, "minute": 35, "second": 5}
